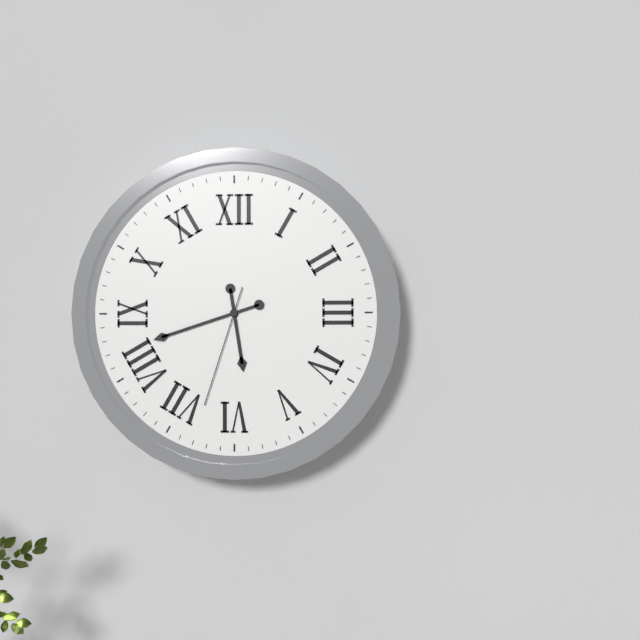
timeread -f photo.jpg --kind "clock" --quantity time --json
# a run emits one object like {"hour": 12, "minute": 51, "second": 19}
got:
{"hour": 5, "minute": 42, "second": 33}
